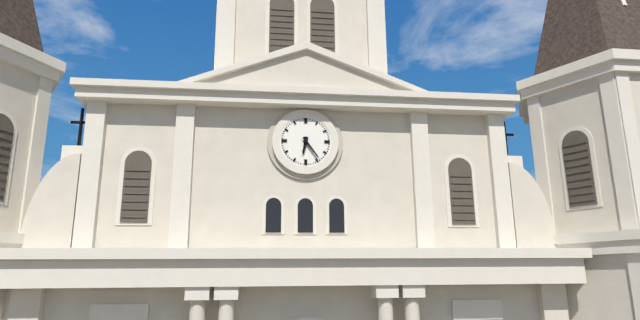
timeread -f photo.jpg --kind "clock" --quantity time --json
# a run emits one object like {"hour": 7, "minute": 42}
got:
{"hour": 6, "minute": 24}
